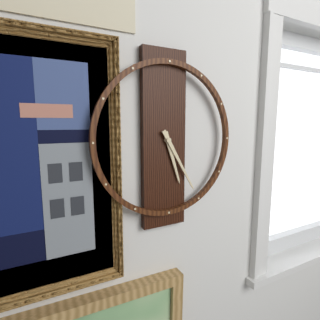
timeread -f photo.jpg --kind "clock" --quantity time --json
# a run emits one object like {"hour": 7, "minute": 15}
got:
{"hour": 5, "minute": 25}
